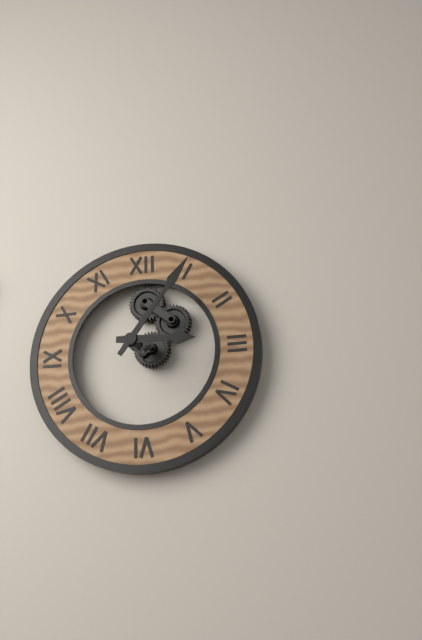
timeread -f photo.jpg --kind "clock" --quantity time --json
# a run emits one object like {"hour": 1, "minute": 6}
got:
{"hour": 3, "minute": 6}
